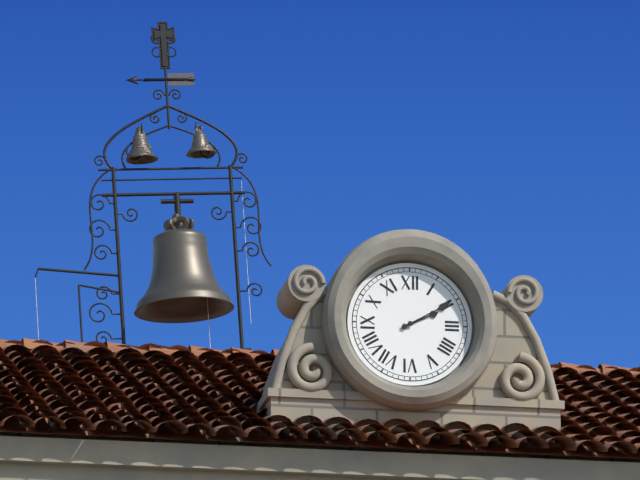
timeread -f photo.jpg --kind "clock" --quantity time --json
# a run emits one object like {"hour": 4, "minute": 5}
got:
{"hour": 2, "minute": 10}
